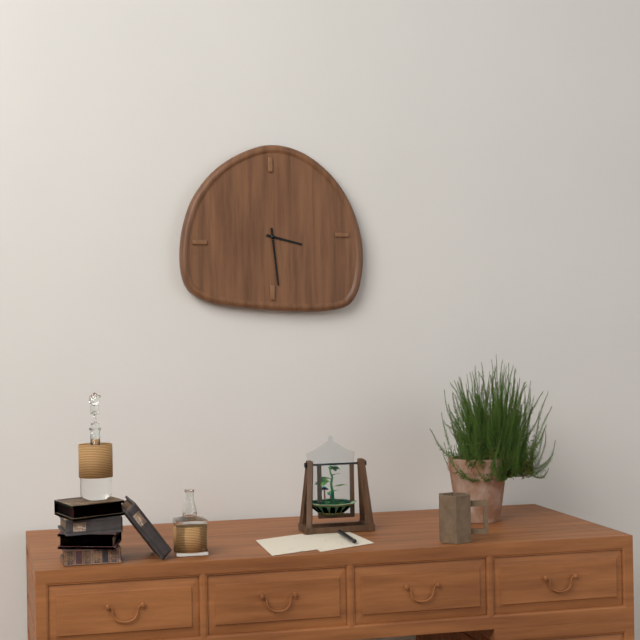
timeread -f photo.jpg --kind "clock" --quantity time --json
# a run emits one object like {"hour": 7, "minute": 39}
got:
{"hour": 3, "minute": 29}
